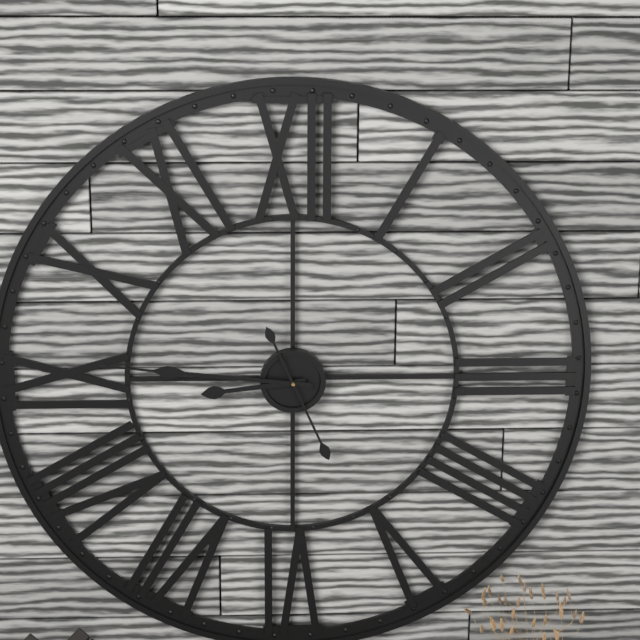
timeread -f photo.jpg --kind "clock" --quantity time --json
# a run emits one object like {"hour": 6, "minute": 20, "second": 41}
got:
{"hour": 8, "minute": 46, "second": 26}
